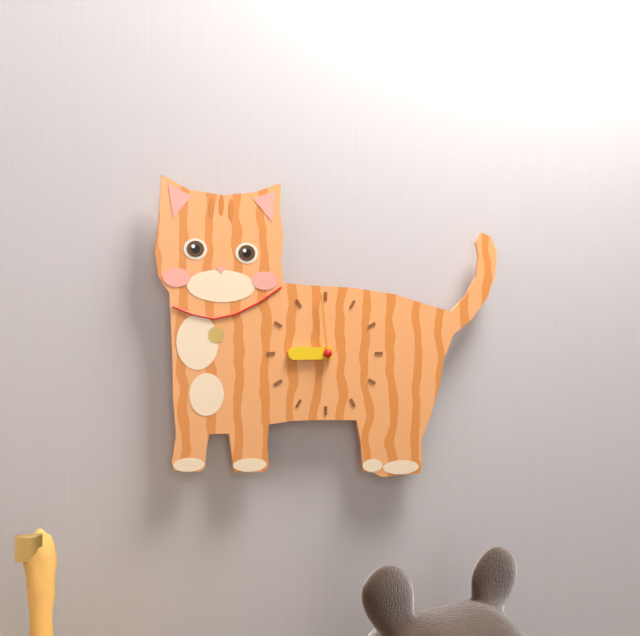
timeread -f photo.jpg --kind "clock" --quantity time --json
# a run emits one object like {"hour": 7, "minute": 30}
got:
{"hour": 8, "minute": 59}
